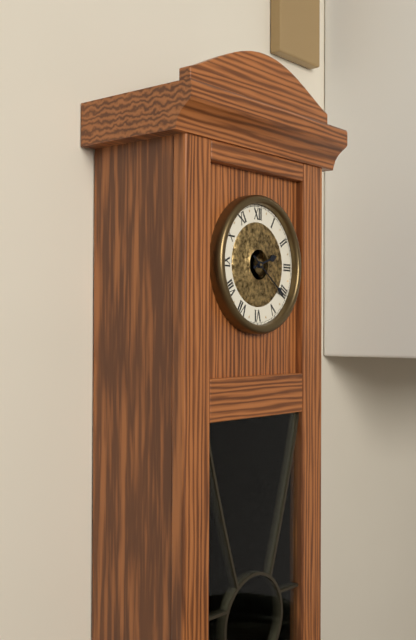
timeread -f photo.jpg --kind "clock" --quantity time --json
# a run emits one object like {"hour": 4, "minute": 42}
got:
{"hour": 2, "minute": 21}
